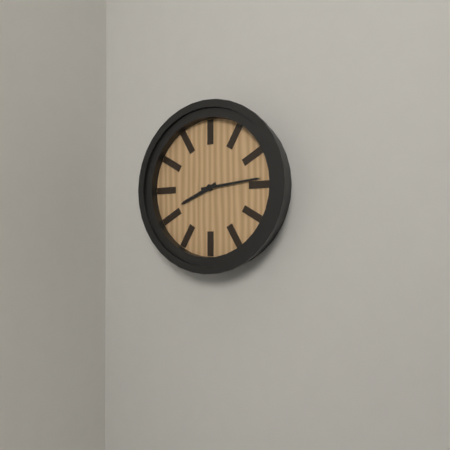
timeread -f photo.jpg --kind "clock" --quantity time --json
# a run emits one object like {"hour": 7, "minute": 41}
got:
{"hour": 8, "minute": 14}
